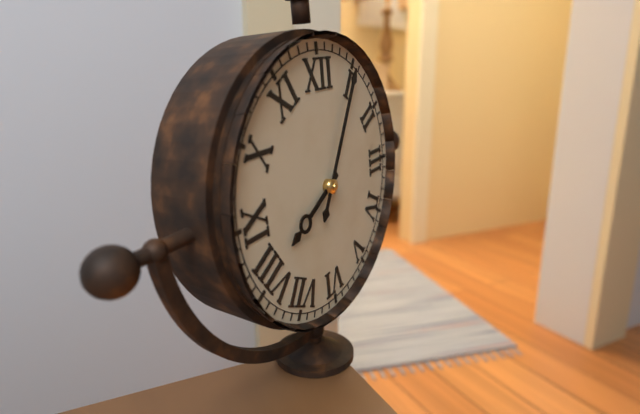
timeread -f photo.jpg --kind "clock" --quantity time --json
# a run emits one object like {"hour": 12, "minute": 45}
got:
{"hour": 8, "minute": 5}
